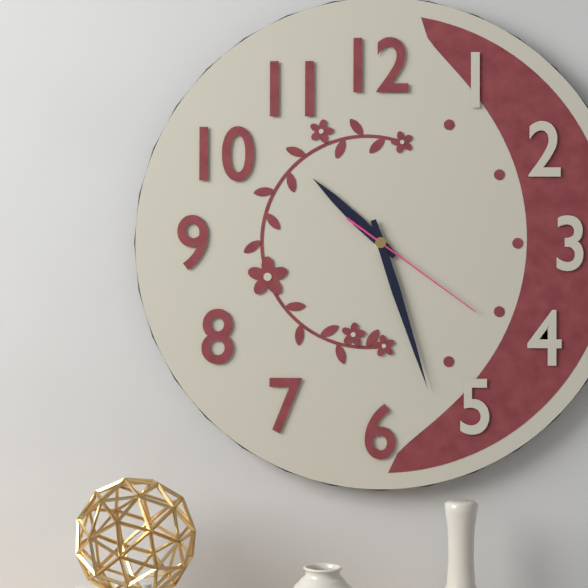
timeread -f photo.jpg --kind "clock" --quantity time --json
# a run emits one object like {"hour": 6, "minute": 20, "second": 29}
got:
{"hour": 10, "minute": 27, "second": 21}
